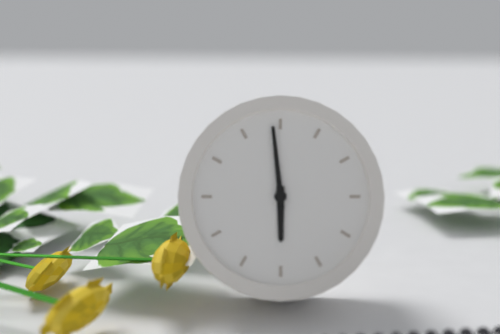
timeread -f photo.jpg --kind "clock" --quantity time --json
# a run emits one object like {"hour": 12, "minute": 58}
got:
{"hour": 5, "minute": 59}
